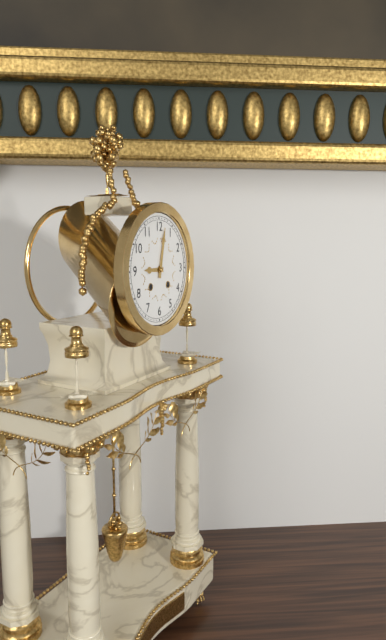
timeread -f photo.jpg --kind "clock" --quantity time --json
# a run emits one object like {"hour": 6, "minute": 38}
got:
{"hour": 9, "minute": 2}
